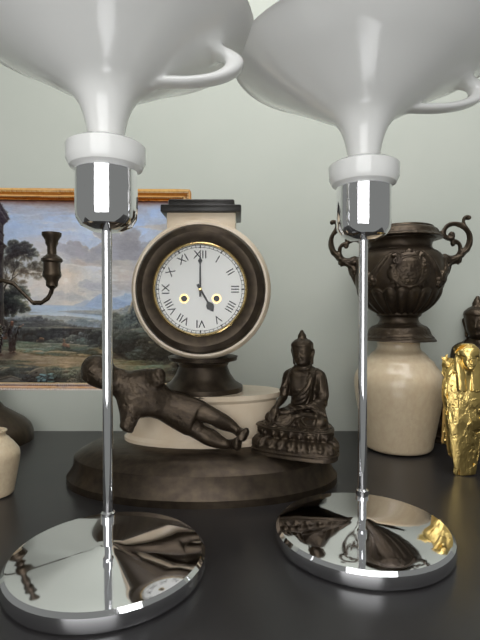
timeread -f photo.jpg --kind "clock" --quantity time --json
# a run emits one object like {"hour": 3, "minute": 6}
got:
{"hour": 5, "minute": 0}
